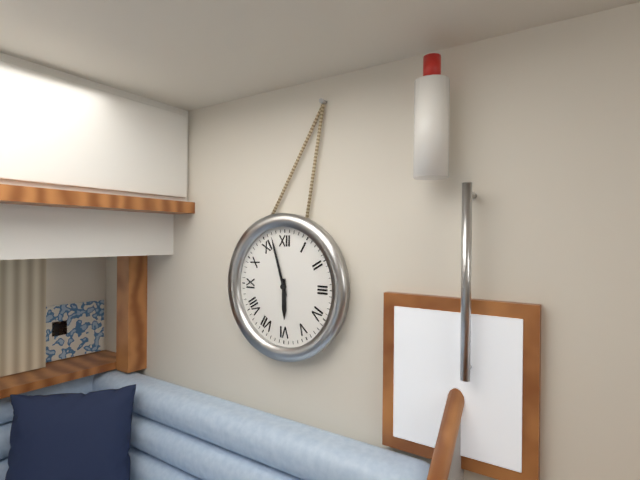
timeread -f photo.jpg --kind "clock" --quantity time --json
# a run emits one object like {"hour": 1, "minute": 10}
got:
{"hour": 5, "minute": 57}
